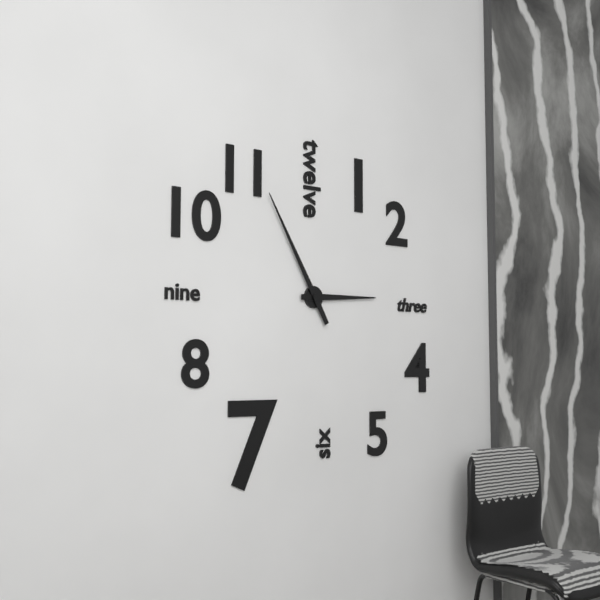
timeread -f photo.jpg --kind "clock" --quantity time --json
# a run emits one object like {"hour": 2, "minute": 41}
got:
{"hour": 2, "minute": 55}
